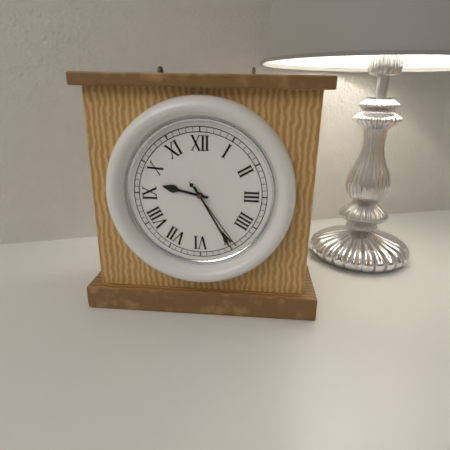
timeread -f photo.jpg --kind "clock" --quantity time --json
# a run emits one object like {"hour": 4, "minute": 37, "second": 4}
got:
{"hour": 9, "minute": 25, "second": 24}
